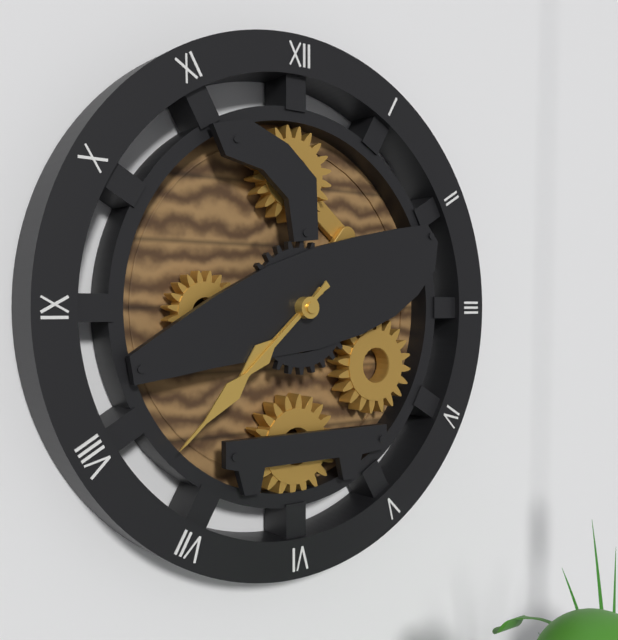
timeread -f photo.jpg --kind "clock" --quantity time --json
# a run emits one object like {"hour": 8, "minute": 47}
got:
{"hour": 7, "minute": 38}
